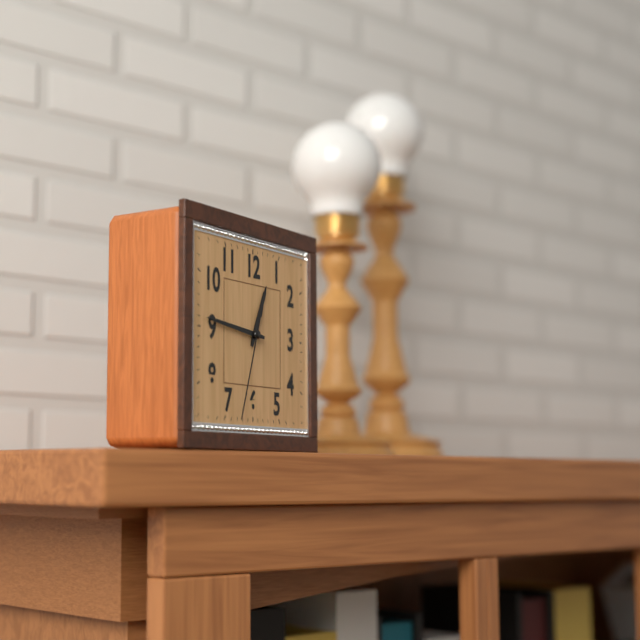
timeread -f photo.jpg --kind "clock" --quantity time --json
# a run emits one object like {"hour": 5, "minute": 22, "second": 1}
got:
{"hour": 12, "minute": 46, "second": 33}
